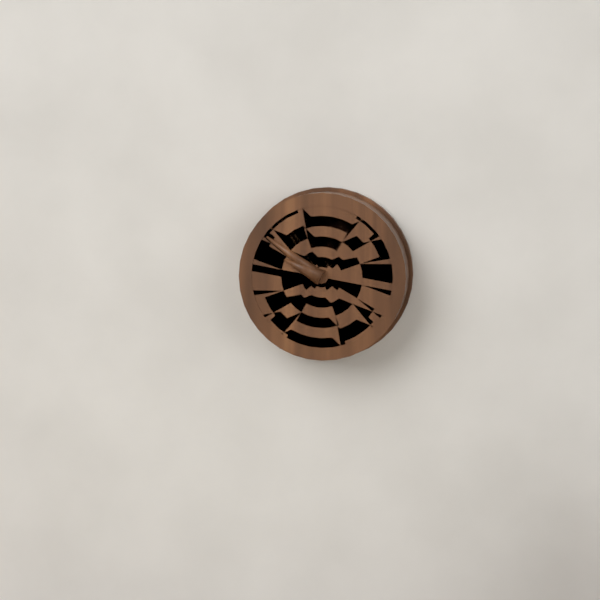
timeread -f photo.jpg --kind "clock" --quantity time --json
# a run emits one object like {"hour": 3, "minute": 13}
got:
{"hour": 9, "minute": 51}
